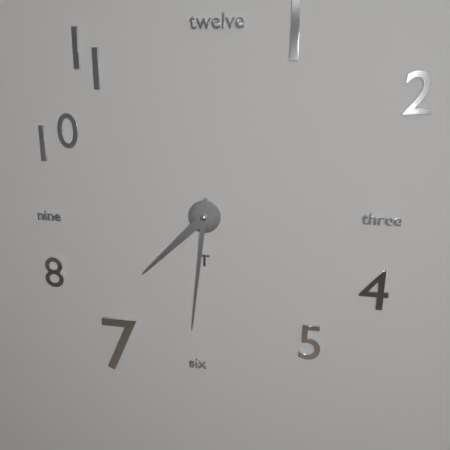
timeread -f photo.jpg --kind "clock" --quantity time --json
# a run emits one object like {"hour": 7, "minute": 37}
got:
{"hour": 7, "minute": 31}
